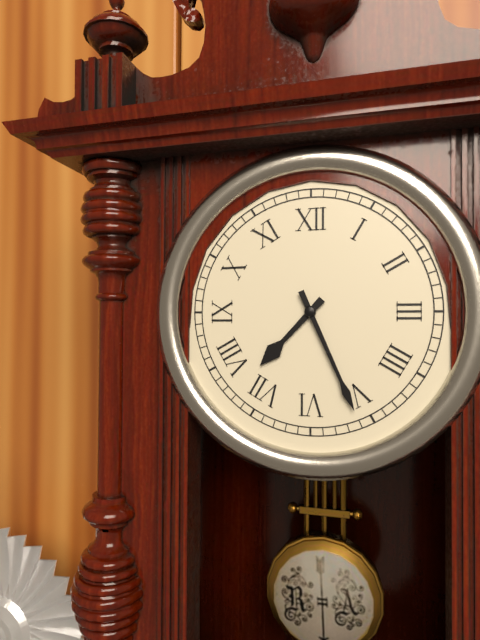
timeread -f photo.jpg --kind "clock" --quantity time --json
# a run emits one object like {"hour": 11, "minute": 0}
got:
{"hour": 7, "minute": 26}
